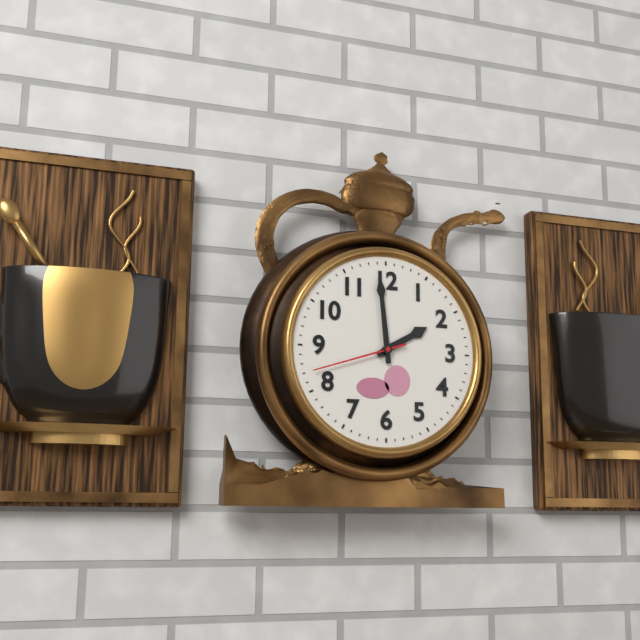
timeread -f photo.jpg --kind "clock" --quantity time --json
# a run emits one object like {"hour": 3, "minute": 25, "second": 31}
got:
{"hour": 1, "minute": 59, "second": 42}
